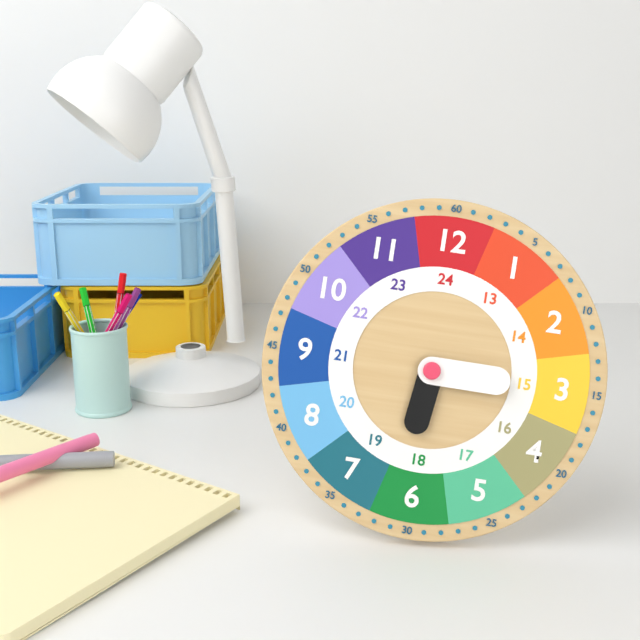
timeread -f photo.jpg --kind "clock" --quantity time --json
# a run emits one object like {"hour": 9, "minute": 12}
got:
{"hour": 6, "minute": 15}
